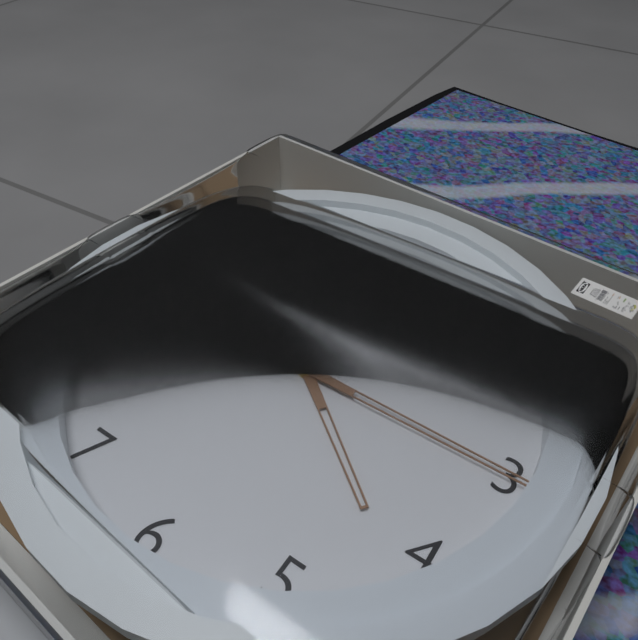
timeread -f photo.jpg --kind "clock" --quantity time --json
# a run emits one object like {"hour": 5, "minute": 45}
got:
{"hour": 4, "minute": 15}
